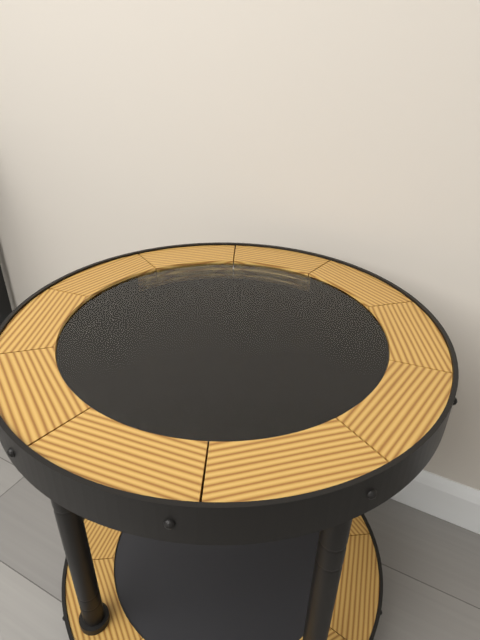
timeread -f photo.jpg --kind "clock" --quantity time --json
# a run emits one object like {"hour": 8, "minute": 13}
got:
{"hour": 7, "minute": 35}
